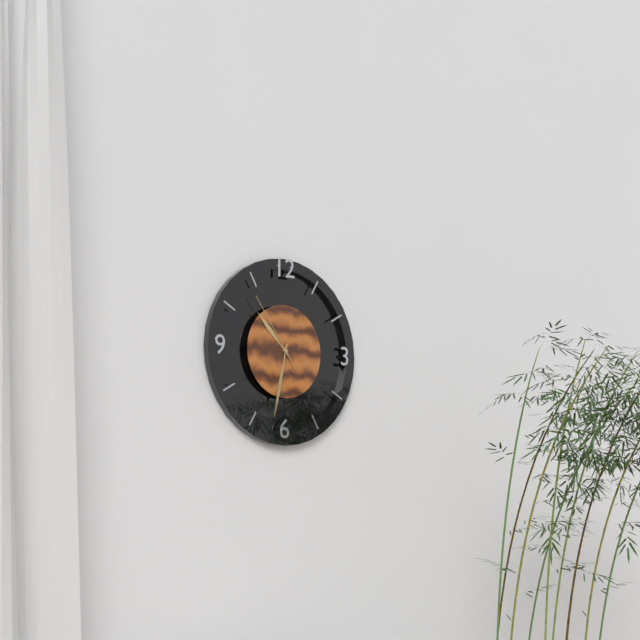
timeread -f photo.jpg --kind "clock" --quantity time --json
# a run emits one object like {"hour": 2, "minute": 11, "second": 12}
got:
{"hour": 10, "minute": 32, "second": 54}
